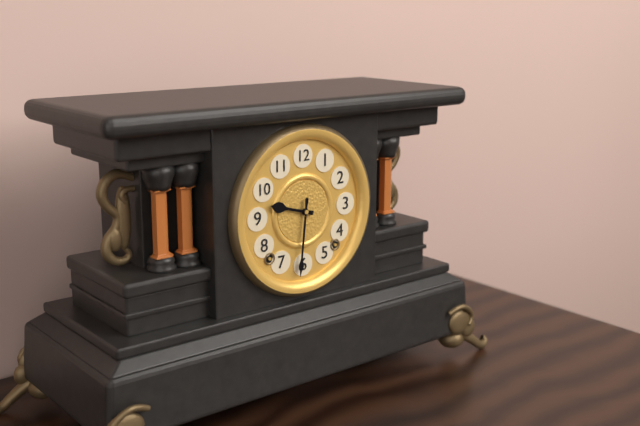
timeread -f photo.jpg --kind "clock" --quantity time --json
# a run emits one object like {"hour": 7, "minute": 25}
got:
{"hour": 9, "minute": 31}
